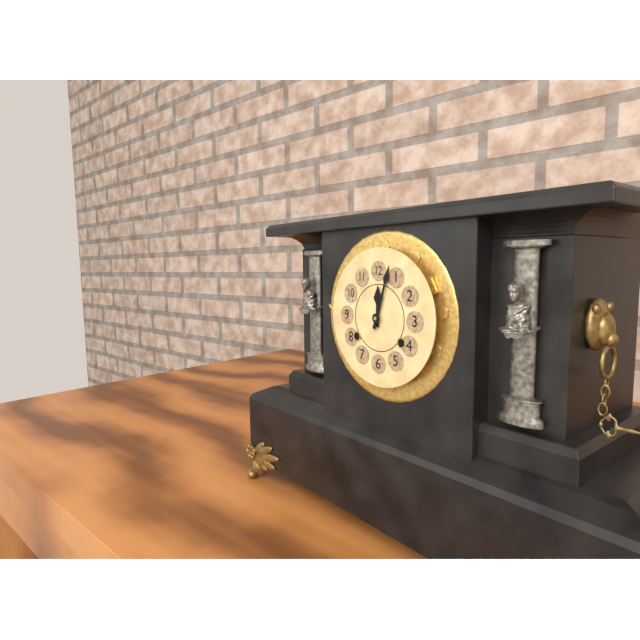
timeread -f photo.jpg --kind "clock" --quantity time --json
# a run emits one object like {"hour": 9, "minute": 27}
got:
{"hour": 12, "minute": 3}
